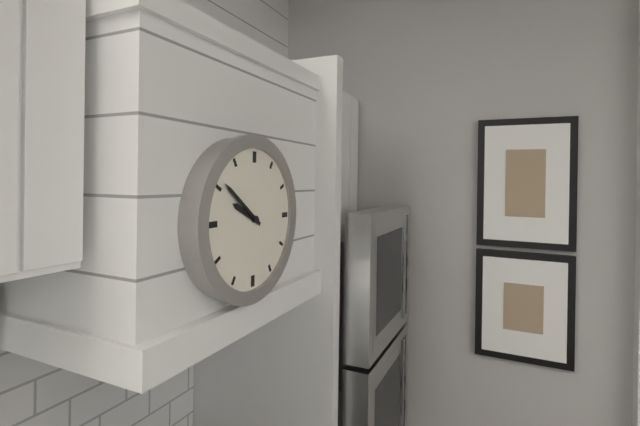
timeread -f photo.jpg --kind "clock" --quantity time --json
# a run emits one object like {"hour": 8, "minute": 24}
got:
{"hour": 9, "minute": 51}
